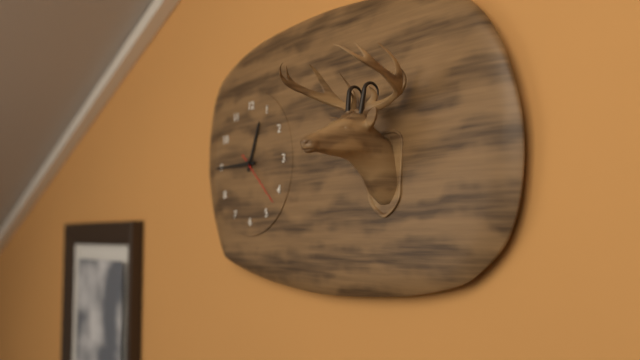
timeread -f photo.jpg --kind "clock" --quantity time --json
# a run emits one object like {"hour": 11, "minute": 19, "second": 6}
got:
{"hour": 12, "minute": 45, "second": 22}
